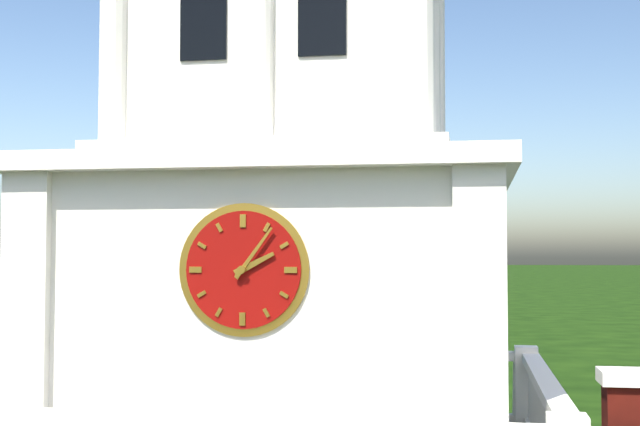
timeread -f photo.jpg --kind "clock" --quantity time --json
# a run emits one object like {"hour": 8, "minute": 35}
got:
{"hour": 2, "minute": 6}
